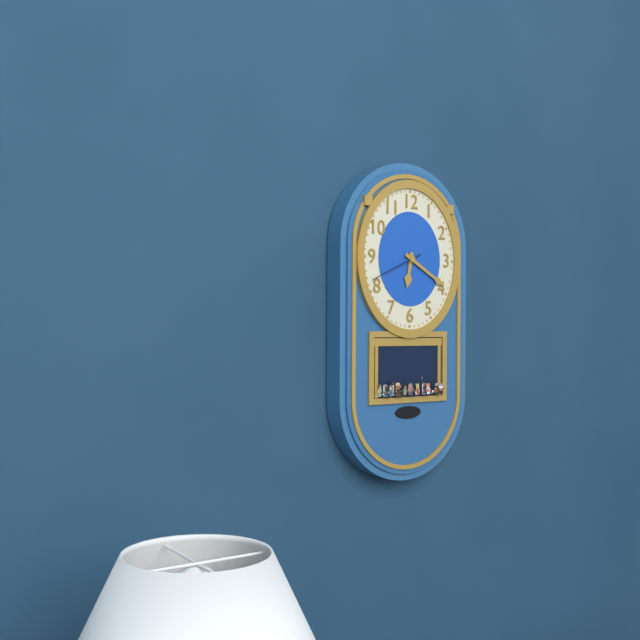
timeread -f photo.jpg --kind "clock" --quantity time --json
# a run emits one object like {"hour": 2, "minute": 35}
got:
{"hour": 6, "minute": 20}
